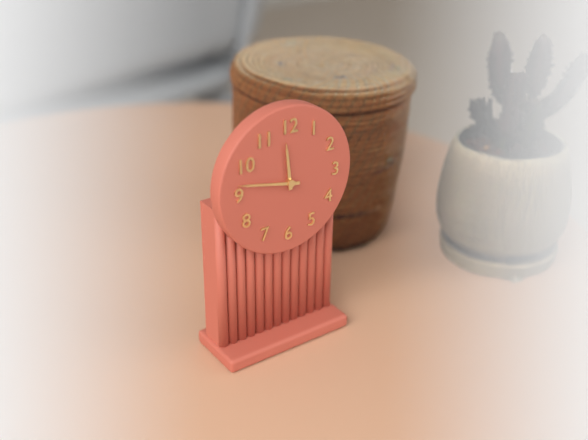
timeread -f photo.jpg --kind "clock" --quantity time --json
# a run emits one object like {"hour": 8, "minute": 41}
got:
{"hour": 11, "minute": 47}
